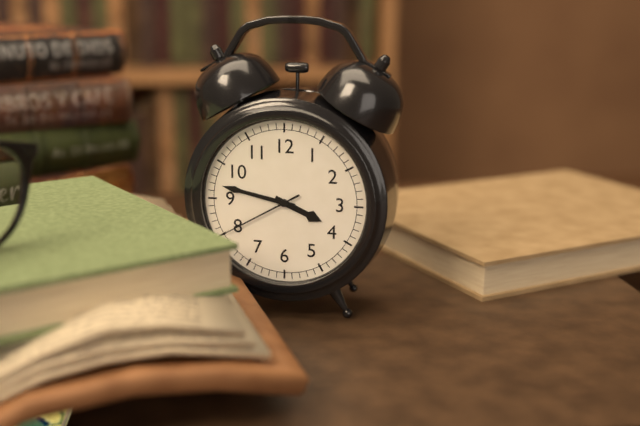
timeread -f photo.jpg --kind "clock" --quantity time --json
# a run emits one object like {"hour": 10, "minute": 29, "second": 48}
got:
{"hour": 3, "minute": 47, "second": 40}
